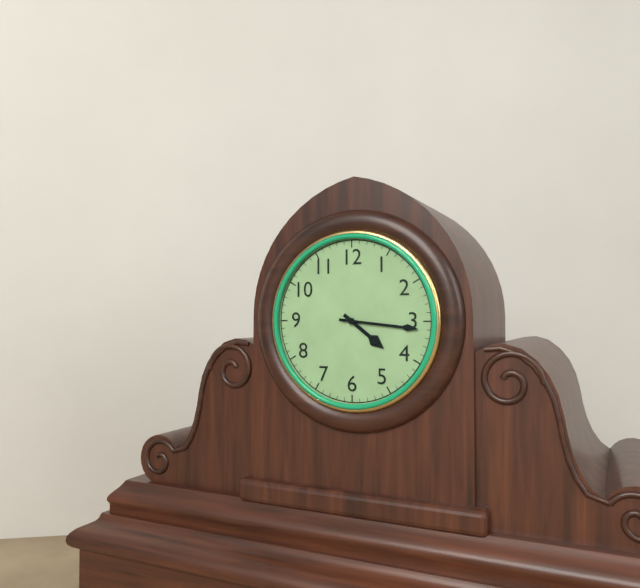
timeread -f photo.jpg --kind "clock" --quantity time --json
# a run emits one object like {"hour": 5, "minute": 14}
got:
{"hour": 4, "minute": 16}
